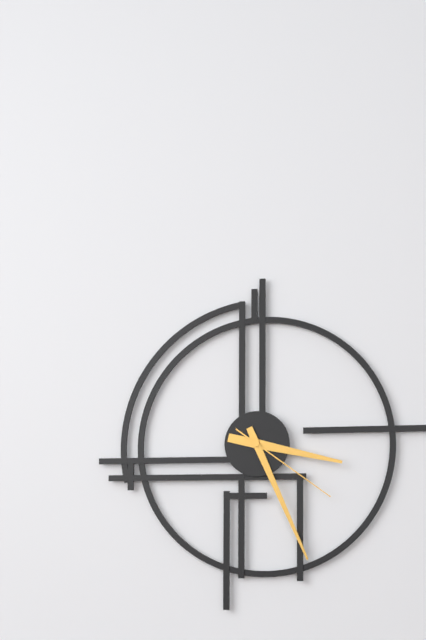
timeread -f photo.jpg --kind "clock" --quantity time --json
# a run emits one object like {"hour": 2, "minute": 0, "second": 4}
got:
{"hour": 3, "minute": 26, "second": 21}
